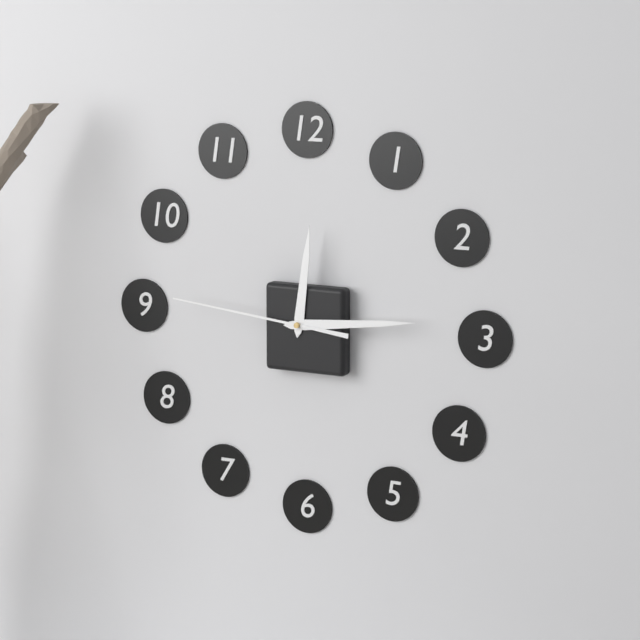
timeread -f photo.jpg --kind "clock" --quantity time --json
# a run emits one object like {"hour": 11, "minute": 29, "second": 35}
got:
{"hour": 12, "minute": 14, "second": 46}
